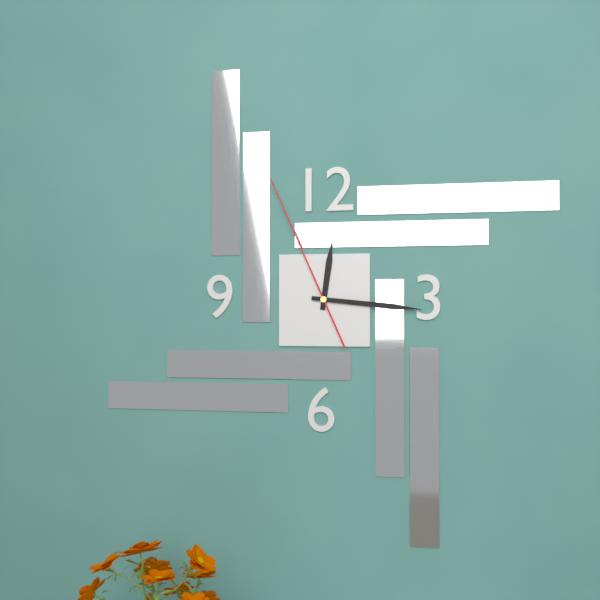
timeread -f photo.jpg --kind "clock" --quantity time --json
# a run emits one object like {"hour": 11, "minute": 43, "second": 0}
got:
{"hour": 12, "minute": 16, "second": 56}
